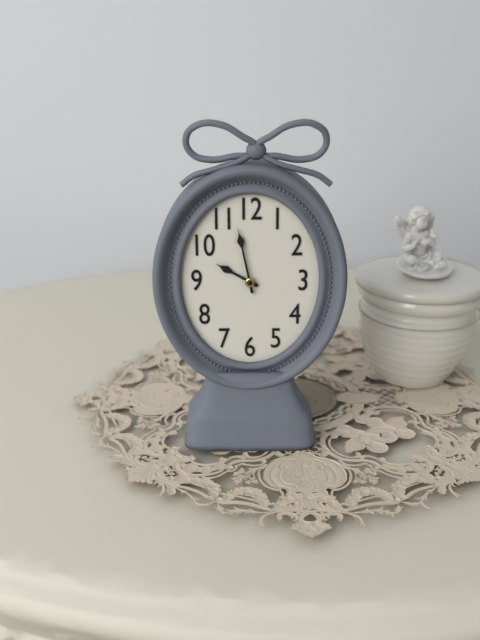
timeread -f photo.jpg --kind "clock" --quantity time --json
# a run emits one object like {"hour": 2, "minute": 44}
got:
{"hour": 9, "minute": 58}
